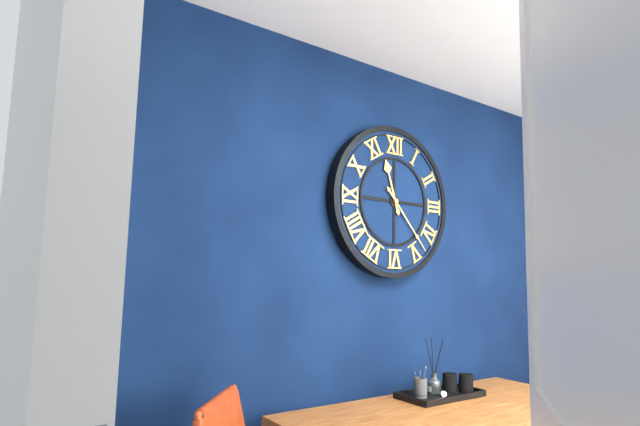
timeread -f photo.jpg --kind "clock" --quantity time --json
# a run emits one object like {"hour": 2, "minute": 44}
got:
{"hour": 11, "minute": 23}
